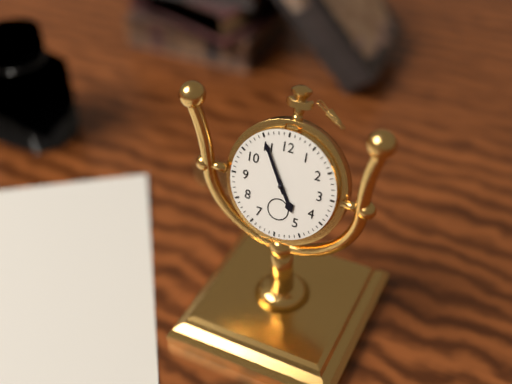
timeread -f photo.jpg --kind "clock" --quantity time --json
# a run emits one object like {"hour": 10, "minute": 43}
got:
{"hour": 4, "minute": 55}
